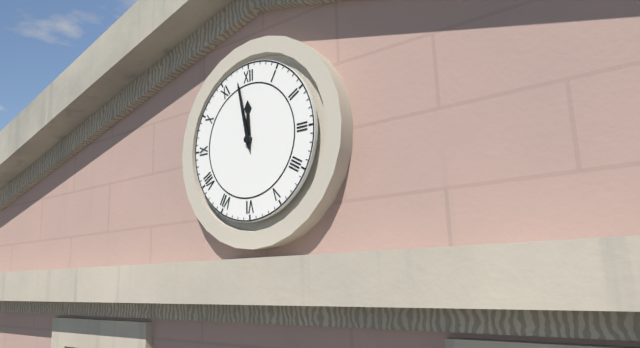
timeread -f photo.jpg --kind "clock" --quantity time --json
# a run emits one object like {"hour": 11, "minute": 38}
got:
{"hour": 11, "minute": 58}
